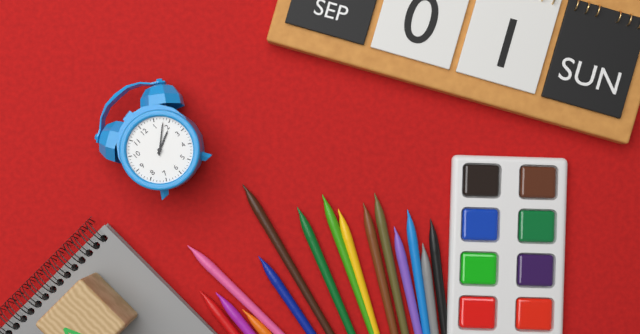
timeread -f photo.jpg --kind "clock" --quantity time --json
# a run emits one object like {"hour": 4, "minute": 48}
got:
{"hour": 2, "minute": 8}
